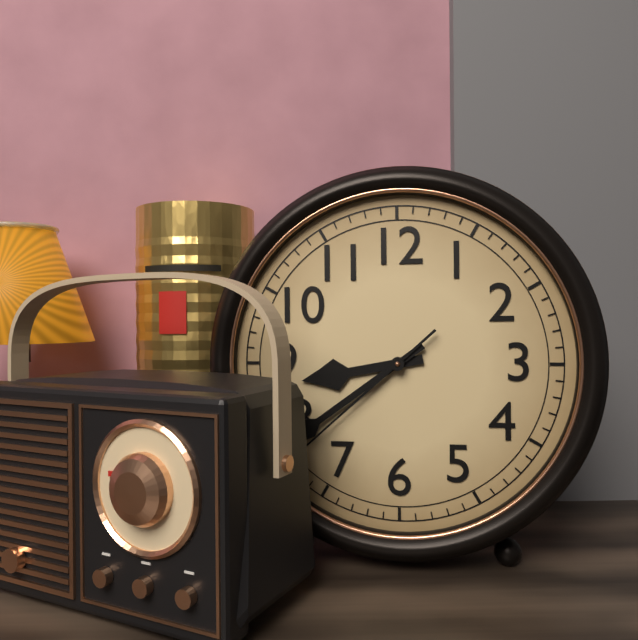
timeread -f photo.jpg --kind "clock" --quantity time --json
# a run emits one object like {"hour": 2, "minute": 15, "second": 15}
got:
{"hour": 8, "minute": 39, "second": 38}
